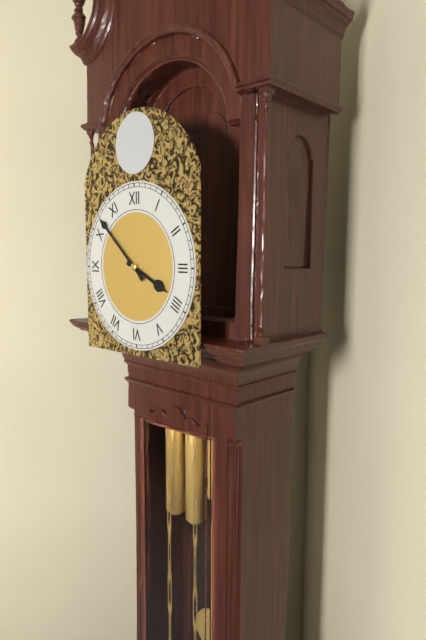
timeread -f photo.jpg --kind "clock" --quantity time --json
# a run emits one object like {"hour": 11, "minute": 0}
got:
{"hour": 3, "minute": 52}
